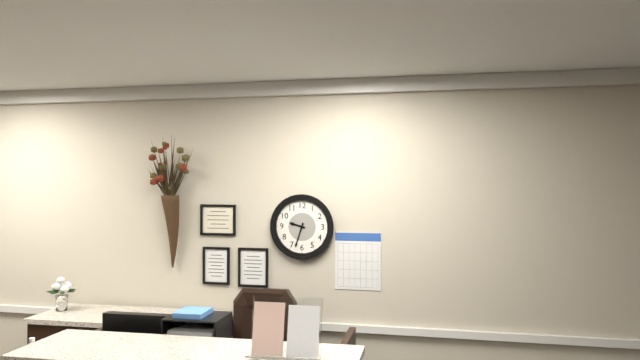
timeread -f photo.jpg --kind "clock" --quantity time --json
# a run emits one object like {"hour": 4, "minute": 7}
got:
{"hour": 9, "minute": 33}
